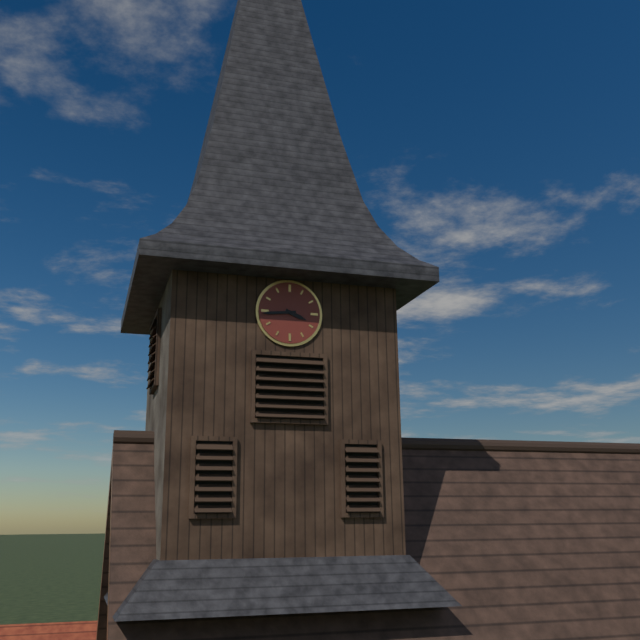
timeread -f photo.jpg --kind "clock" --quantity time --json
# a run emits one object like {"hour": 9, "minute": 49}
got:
{"hour": 3, "minute": 44}
